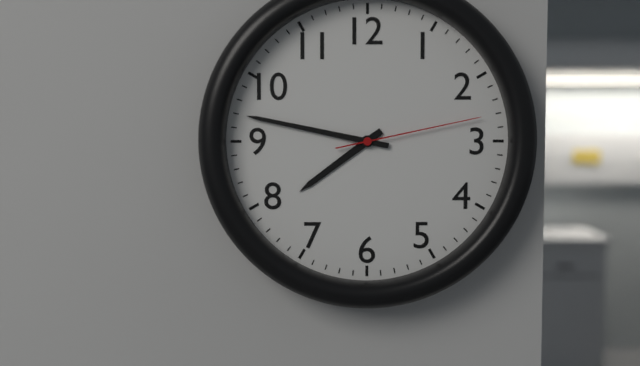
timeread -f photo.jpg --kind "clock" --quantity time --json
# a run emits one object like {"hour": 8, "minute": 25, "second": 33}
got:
{"hour": 7, "minute": 47, "second": 13}
